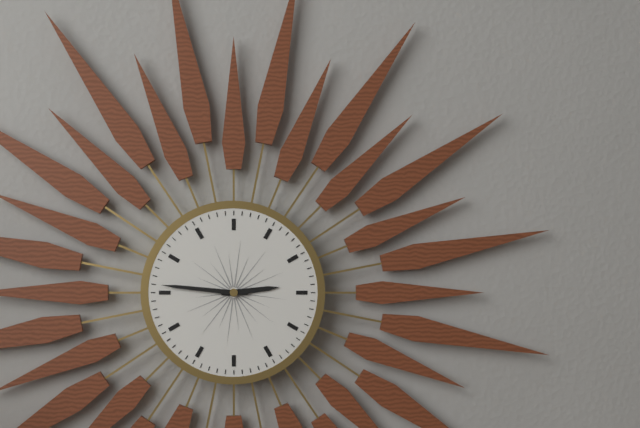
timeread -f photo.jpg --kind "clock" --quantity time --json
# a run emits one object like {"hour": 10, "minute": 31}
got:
{"hour": 2, "minute": 46}
